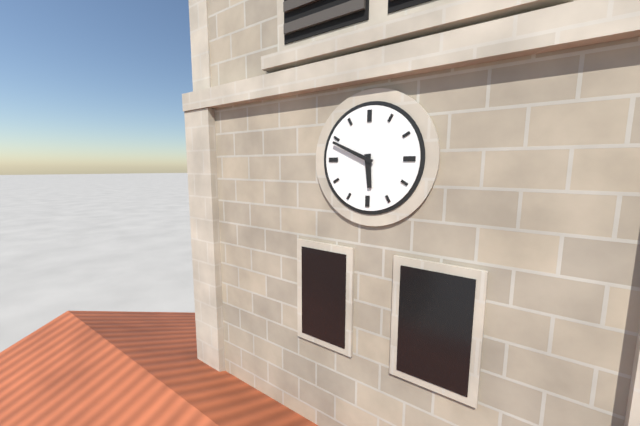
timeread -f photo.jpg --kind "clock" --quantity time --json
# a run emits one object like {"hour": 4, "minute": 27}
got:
{"hour": 5, "minute": 49}
